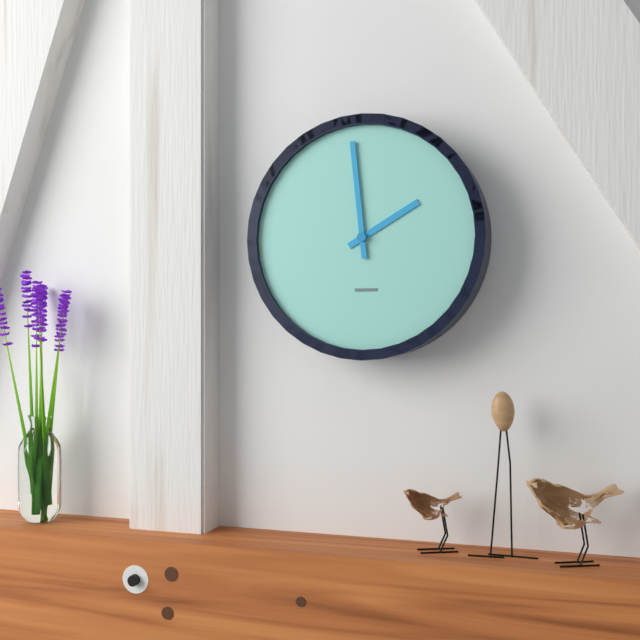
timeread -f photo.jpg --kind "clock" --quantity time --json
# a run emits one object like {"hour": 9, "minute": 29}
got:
{"hour": 1, "minute": 59}
